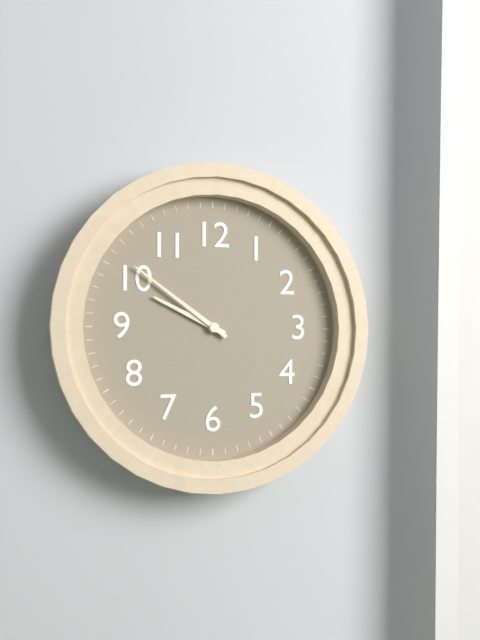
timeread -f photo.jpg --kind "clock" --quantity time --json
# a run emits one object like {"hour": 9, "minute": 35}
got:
{"hour": 9, "minute": 51}
